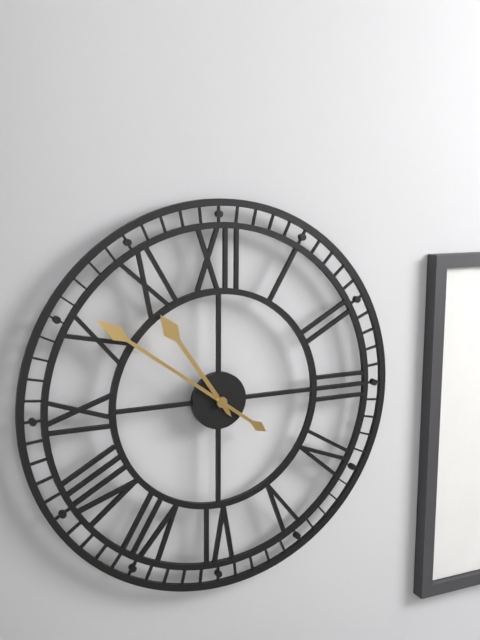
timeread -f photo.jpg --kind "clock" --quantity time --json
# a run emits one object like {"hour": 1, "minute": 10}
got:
{"hour": 10, "minute": 51}
